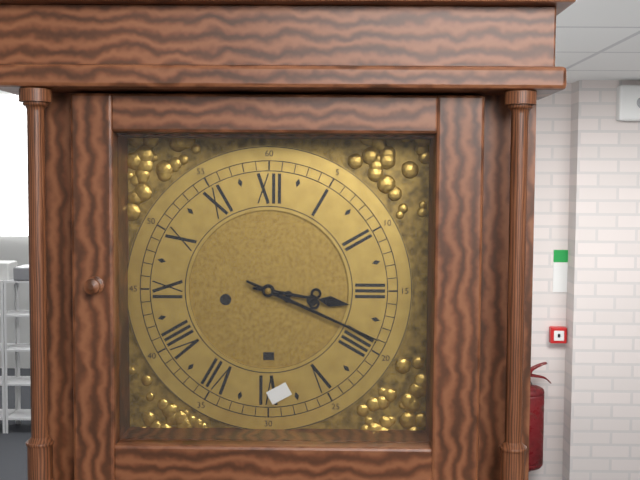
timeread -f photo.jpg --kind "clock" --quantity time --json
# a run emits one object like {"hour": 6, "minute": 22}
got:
{"hour": 3, "minute": 19}
